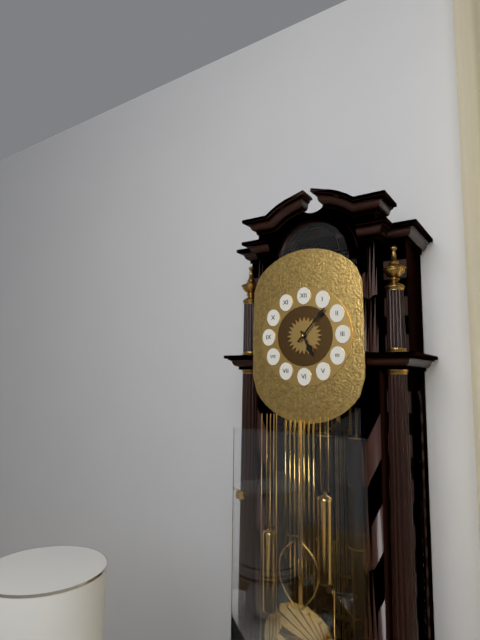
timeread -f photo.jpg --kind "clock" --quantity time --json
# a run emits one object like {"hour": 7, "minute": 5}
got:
{"hour": 5, "minute": 7}
